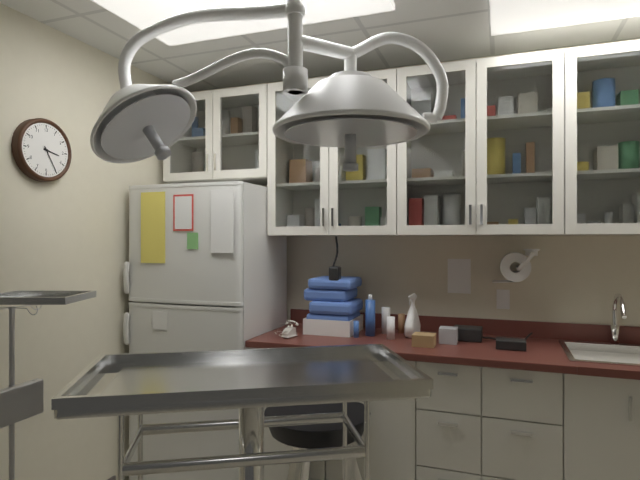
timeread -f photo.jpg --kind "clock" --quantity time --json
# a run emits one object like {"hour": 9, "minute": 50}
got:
{"hour": 3, "minute": 25}
